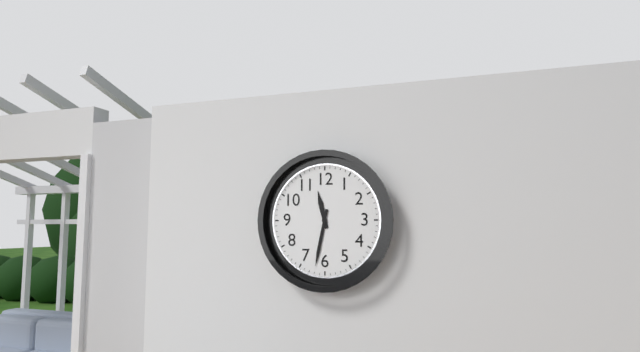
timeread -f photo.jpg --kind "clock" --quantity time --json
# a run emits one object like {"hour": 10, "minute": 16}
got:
{"hour": 11, "minute": 32}
